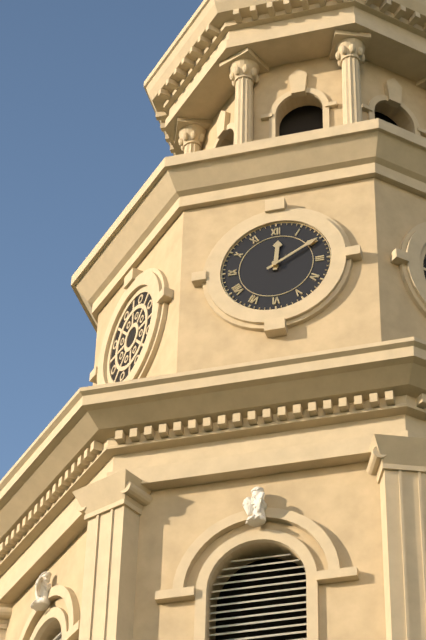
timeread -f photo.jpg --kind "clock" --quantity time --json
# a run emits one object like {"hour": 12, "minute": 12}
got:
{"hour": 12, "minute": 10}
